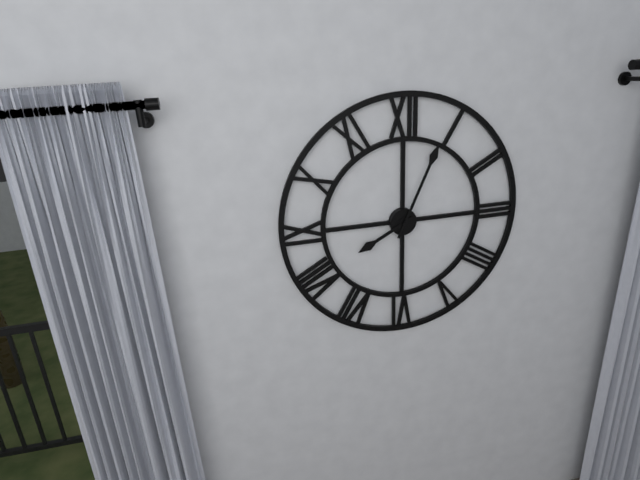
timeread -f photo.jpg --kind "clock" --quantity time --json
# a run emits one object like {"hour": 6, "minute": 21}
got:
{"hour": 8, "minute": 4}
